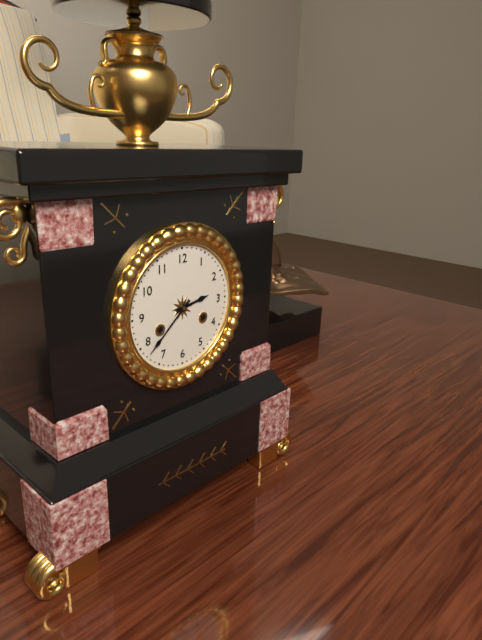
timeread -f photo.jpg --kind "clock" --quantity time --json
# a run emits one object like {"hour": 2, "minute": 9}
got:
{"hour": 2, "minute": 38}
